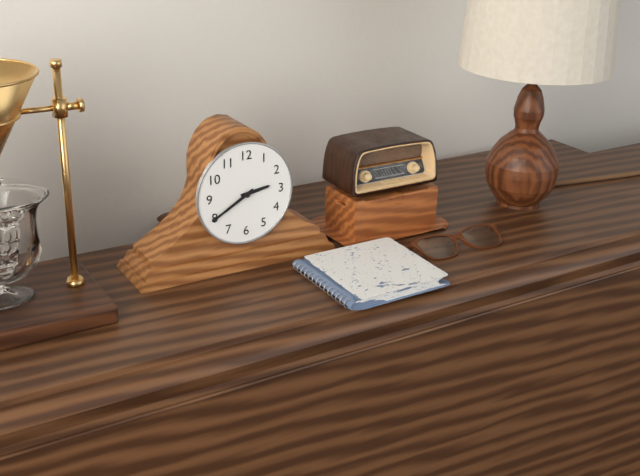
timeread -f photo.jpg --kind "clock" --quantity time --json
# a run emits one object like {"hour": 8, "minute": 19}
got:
{"hour": 2, "minute": 40}
